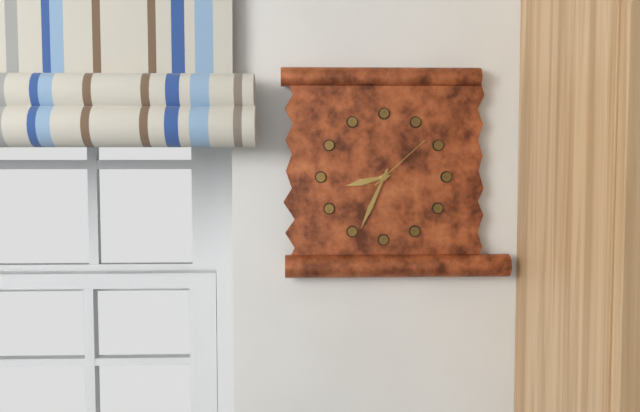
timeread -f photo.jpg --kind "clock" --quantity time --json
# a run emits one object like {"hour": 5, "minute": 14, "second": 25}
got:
{"hour": 8, "minute": 34, "second": 8}
